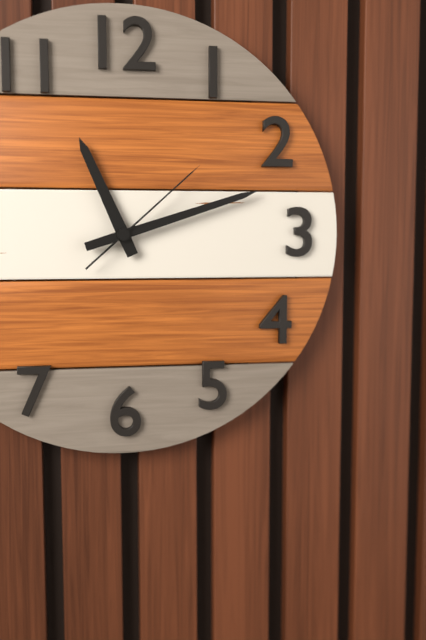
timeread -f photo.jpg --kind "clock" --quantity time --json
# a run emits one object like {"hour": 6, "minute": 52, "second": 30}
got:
{"hour": 11, "minute": 12, "second": 8}
